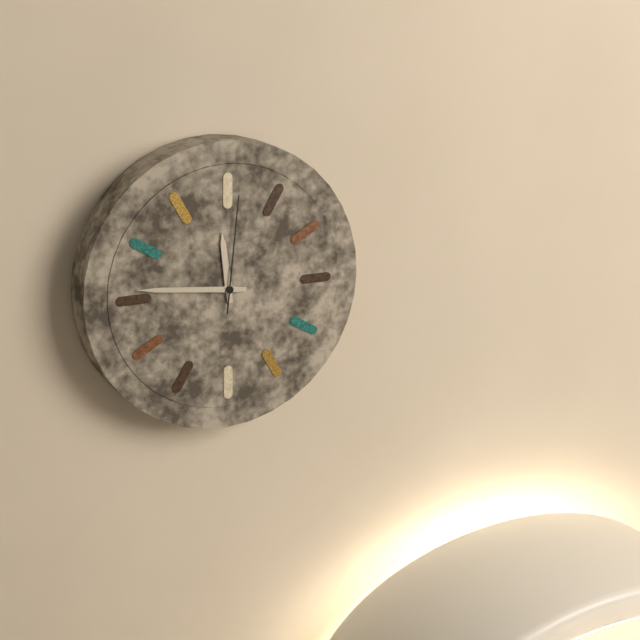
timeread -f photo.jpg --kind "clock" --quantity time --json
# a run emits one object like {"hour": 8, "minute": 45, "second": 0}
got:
{"hour": 11, "minute": 46, "second": 1}
